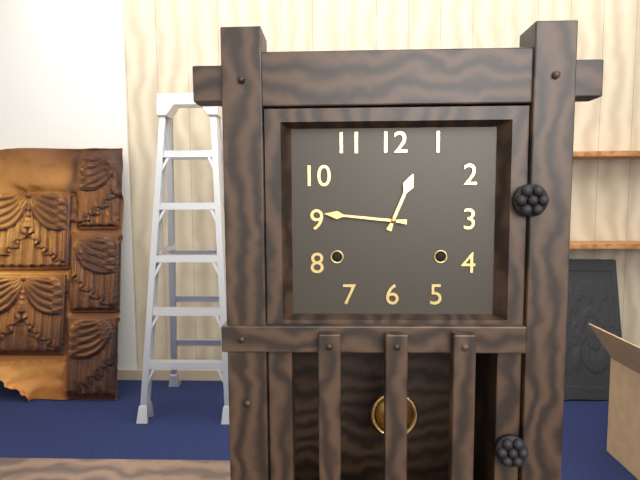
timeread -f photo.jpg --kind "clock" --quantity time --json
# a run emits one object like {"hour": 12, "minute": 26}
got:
{"hour": 12, "minute": 46}
